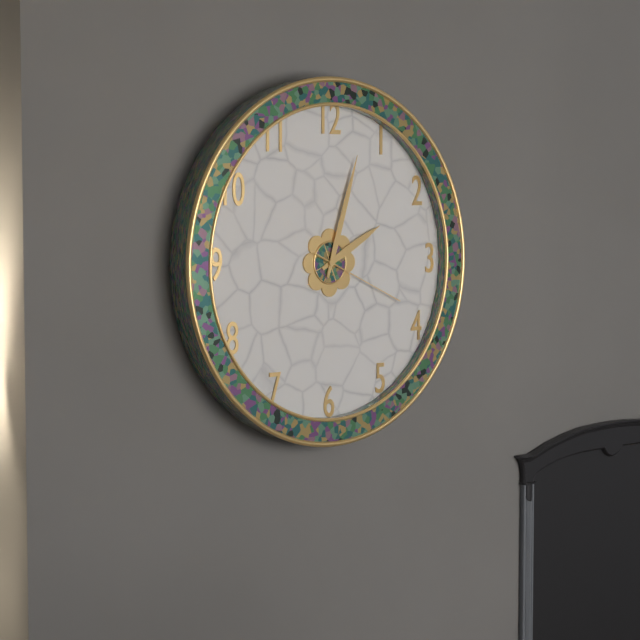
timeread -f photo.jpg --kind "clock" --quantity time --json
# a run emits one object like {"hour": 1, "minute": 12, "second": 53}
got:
{"hour": 2, "minute": 3, "second": 19}
